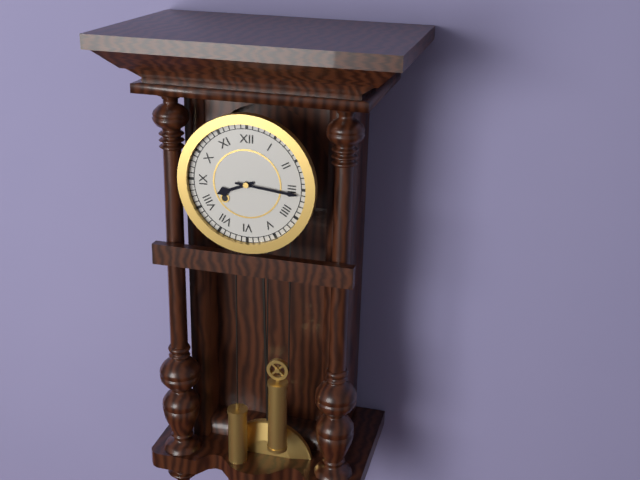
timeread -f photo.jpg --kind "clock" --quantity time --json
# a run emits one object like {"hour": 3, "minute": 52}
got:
{"hour": 8, "minute": 16}
